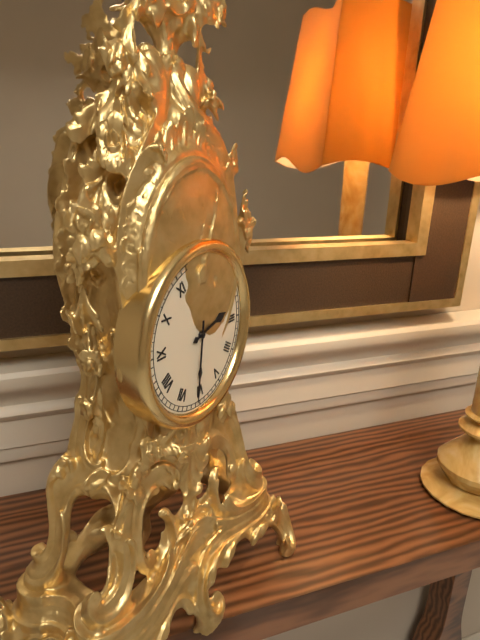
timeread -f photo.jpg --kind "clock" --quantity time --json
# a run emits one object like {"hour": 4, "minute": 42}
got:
{"hour": 2, "minute": 31}
